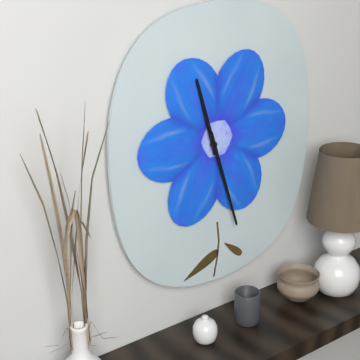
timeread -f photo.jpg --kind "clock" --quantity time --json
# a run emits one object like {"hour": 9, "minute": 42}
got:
{"hour": 11, "minute": 27}
